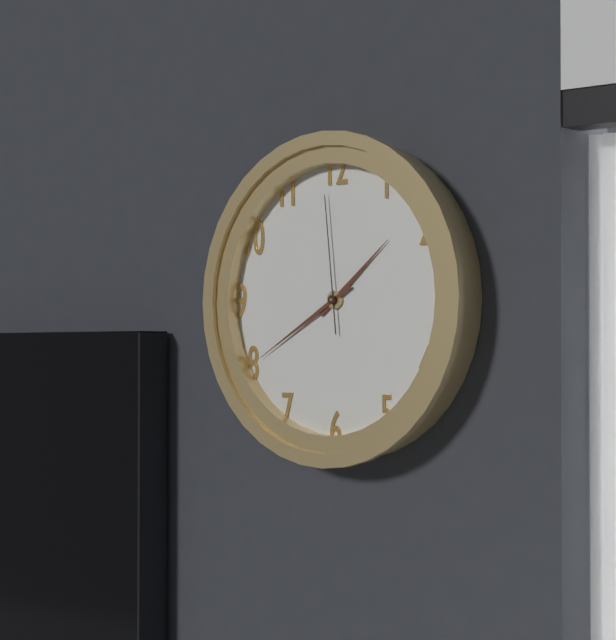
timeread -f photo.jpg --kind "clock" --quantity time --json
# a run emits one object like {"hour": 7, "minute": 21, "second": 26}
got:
{"hour": 1, "minute": 40, "second": 59}
